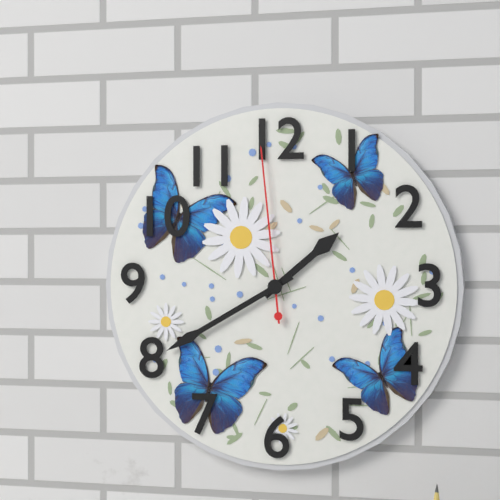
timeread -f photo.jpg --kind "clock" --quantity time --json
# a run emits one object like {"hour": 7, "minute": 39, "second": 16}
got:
{"hour": 1, "minute": 40, "second": 59}
